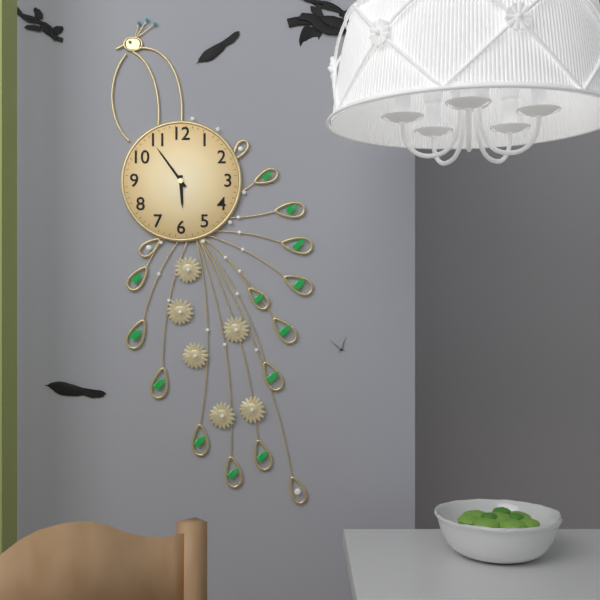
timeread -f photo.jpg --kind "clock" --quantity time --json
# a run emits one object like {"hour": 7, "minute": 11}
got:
{"hour": 5, "minute": 54}
